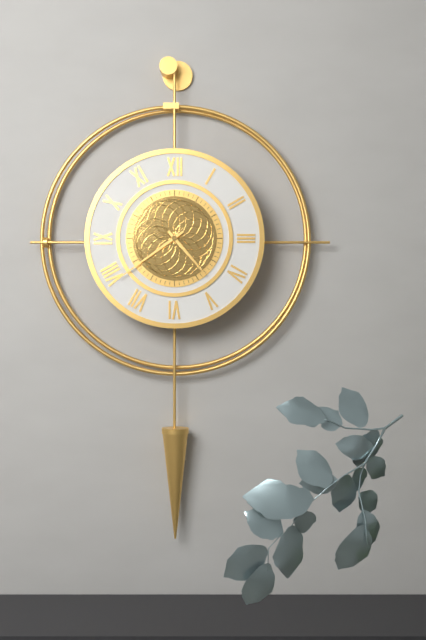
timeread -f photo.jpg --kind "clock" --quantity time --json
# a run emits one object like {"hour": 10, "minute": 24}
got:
{"hour": 4, "minute": 39}
